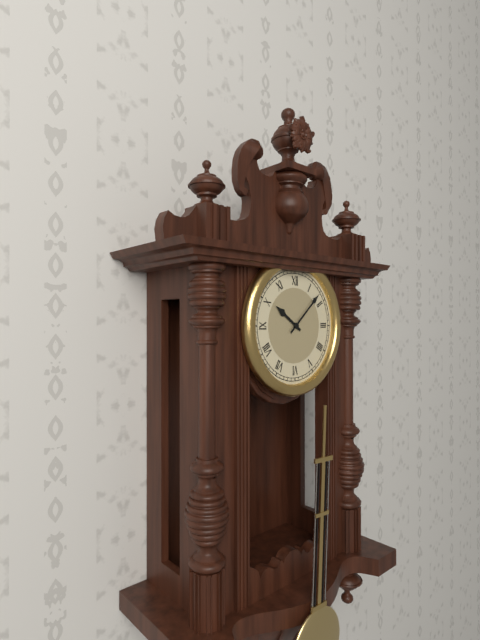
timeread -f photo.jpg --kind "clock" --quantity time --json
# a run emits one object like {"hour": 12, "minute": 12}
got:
{"hour": 10, "minute": 8}
